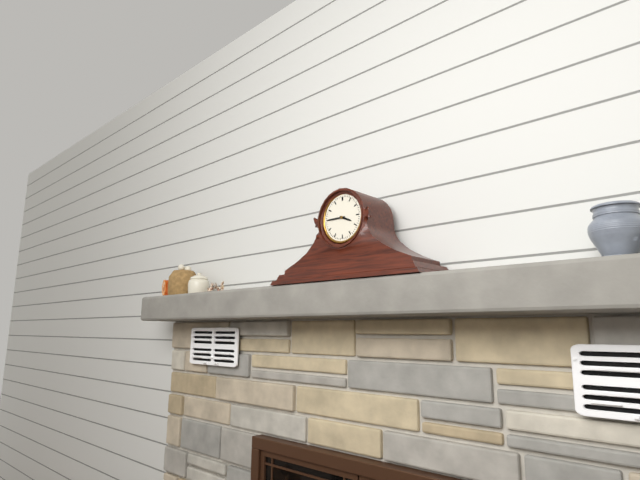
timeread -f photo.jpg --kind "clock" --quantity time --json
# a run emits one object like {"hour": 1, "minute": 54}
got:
{"hour": 3, "minute": 45}
